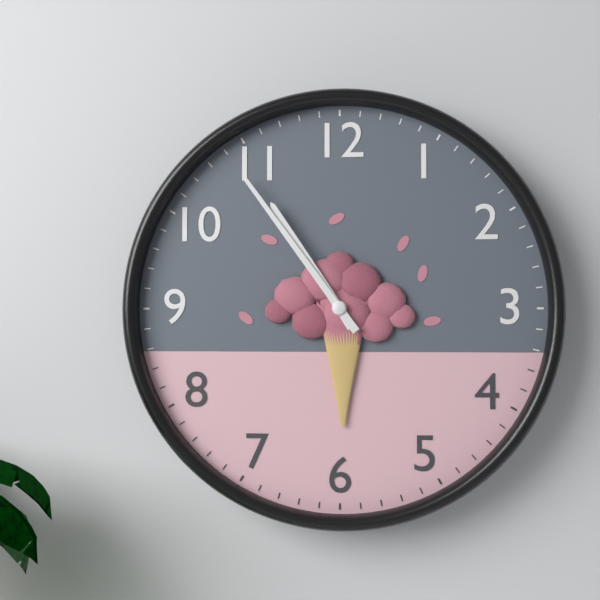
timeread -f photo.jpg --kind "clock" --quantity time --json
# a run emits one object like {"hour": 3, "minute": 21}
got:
{"hour": 10, "minute": 54}
